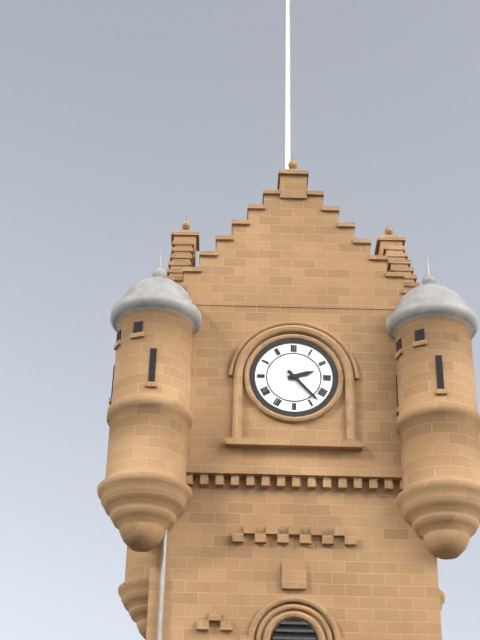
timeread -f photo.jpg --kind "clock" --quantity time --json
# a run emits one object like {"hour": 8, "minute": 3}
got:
{"hour": 2, "minute": 23}
